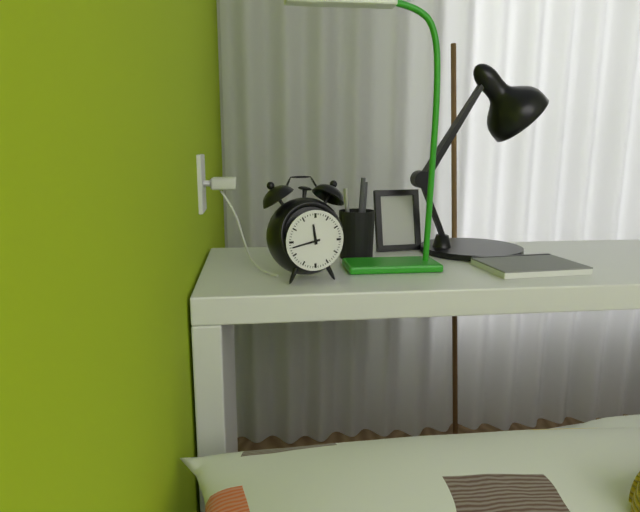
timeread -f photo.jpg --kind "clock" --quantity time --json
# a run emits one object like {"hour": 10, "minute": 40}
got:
{"hour": 11, "minute": 43}
